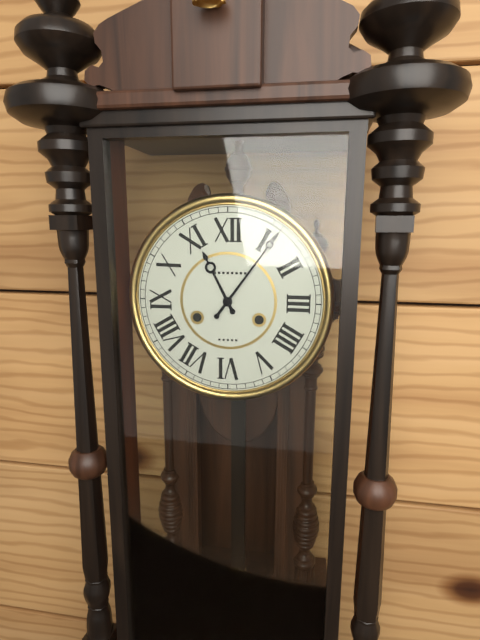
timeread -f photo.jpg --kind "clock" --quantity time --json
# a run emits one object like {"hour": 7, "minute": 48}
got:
{"hour": 11, "minute": 6}
